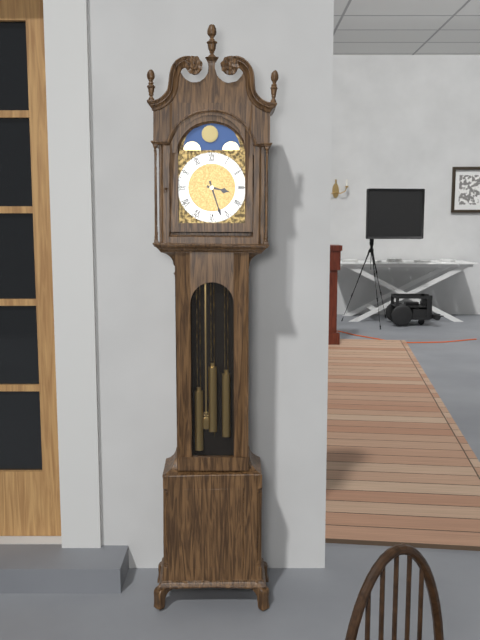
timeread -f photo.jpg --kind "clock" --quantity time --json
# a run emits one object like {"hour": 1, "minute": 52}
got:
{"hour": 3, "minute": 27}
